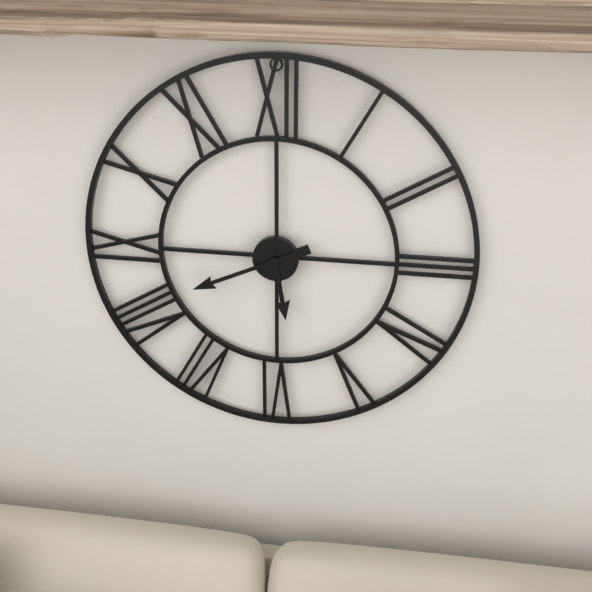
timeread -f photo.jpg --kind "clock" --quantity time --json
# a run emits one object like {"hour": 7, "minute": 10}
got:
{"hour": 5, "minute": 41}
